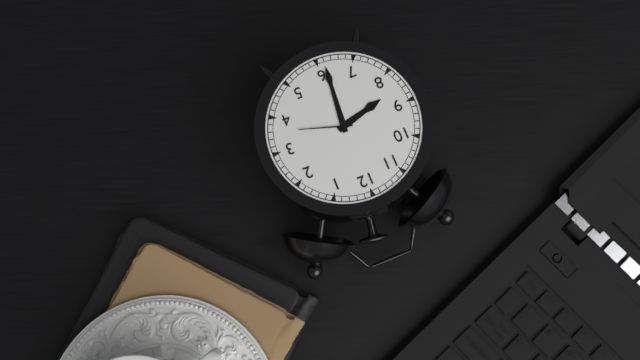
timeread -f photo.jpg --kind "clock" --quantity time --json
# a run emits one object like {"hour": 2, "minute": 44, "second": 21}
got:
{"hour": 8, "minute": 31, "second": 18}
